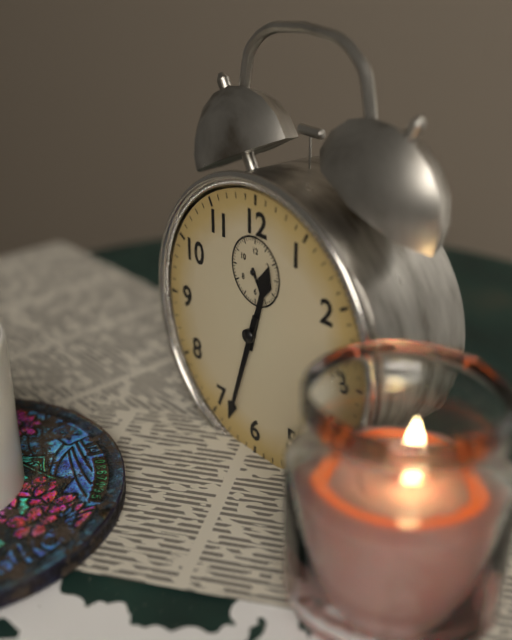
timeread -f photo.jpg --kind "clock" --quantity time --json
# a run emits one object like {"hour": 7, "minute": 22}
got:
{"hour": 12, "minute": 33}
